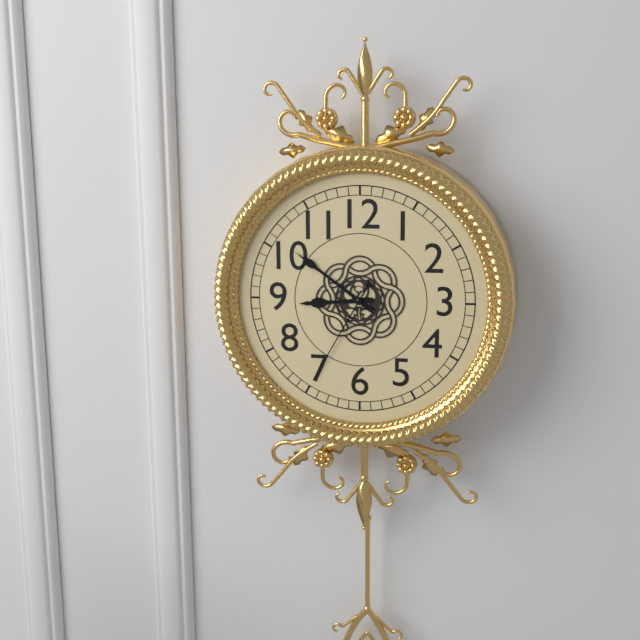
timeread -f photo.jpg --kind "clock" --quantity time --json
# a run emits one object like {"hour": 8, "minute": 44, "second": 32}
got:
{"hour": 8, "minute": 51, "second": 35}
